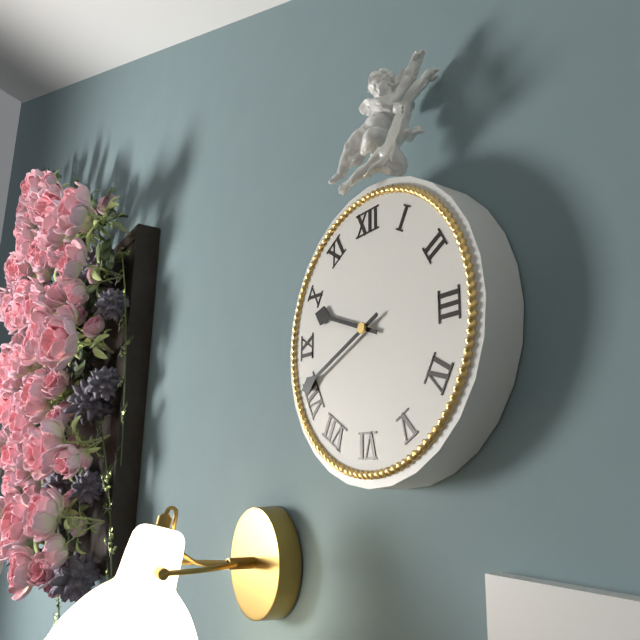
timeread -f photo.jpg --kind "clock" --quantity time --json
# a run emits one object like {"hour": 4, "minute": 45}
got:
{"hour": 9, "minute": 41}
